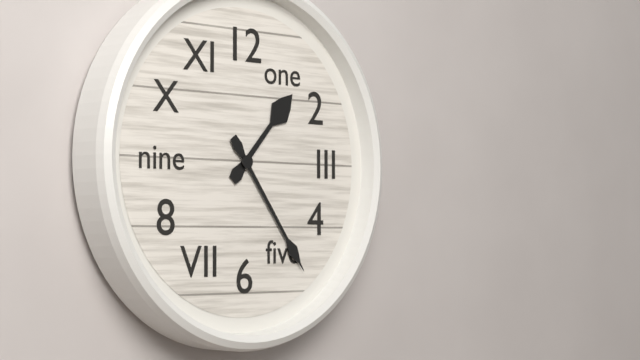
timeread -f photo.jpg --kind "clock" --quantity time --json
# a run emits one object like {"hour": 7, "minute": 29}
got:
{"hour": 1, "minute": 24}
